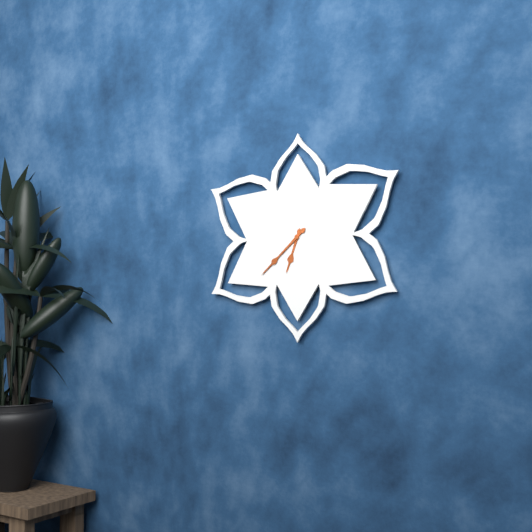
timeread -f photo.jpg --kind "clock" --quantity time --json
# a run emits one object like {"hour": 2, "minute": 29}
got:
{"hour": 6, "minute": 38}
